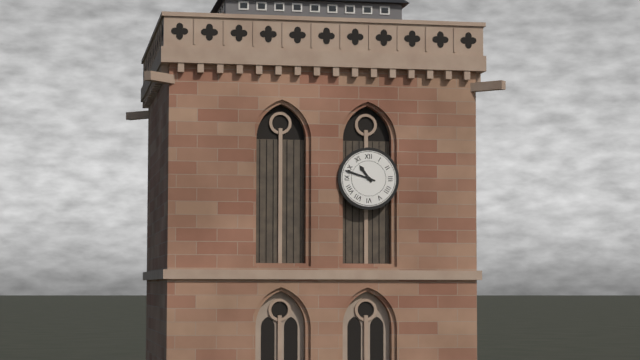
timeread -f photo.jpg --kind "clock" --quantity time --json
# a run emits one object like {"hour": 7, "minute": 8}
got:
{"hour": 10, "minute": 48}
